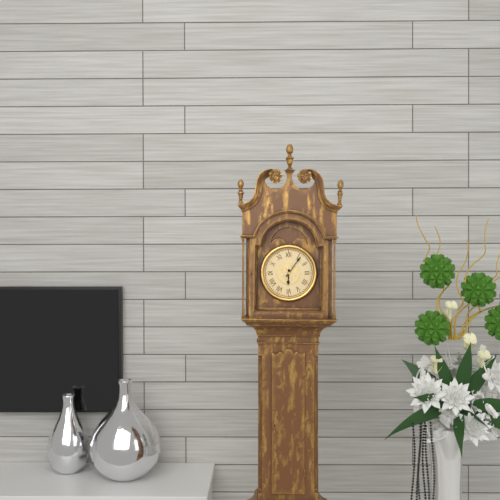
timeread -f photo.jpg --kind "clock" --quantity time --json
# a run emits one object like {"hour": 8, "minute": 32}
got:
{"hour": 6, "minute": 6}
